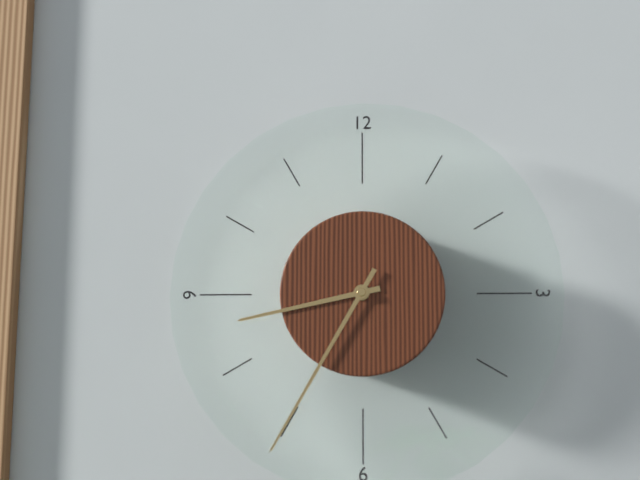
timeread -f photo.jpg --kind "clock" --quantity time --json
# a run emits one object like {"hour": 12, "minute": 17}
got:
{"hour": 8, "minute": 35}
